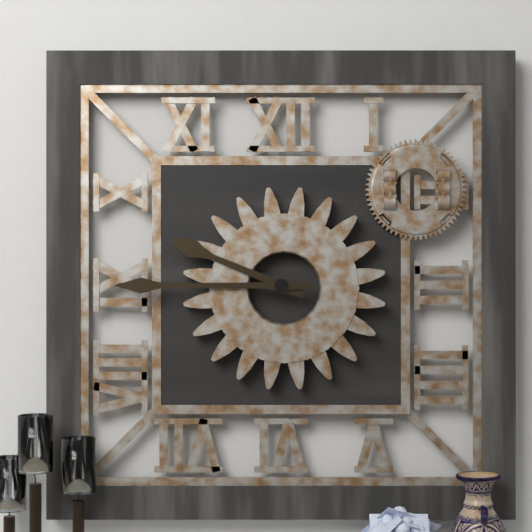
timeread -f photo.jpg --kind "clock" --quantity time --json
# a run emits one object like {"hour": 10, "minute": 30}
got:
{"hour": 9, "minute": 45}
